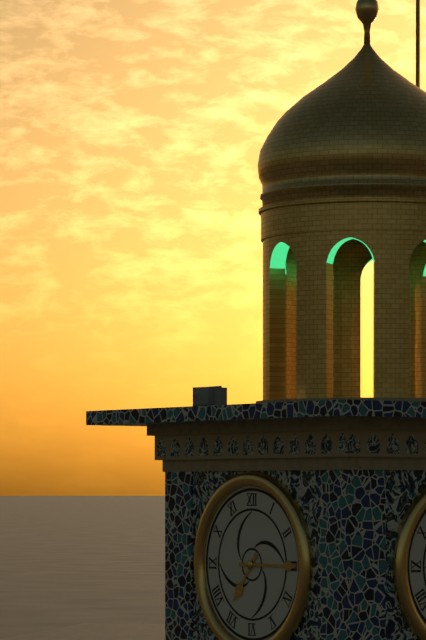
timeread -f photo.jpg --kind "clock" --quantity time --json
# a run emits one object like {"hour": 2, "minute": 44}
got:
{"hour": 7, "minute": 15}
